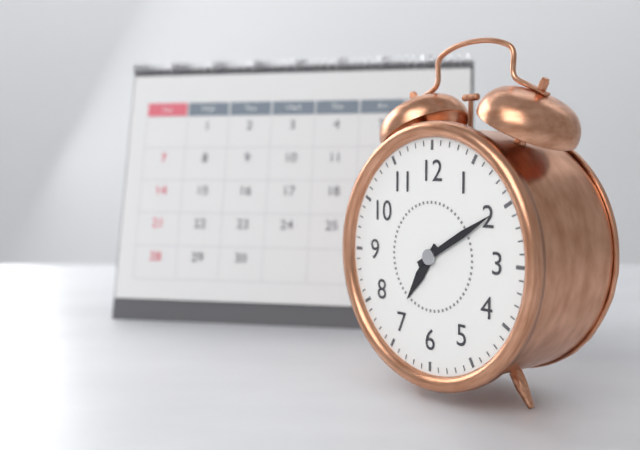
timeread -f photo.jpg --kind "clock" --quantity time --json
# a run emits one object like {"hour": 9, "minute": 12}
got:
{"hour": 7, "minute": 10}
